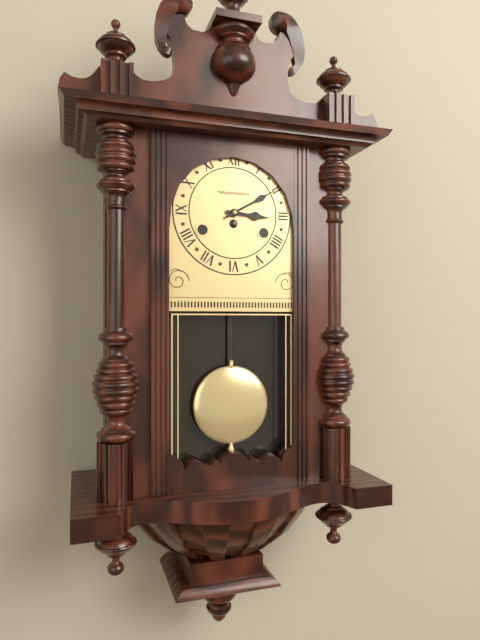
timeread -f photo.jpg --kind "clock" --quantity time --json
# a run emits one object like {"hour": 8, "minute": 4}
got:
{"hour": 3, "minute": 10}
